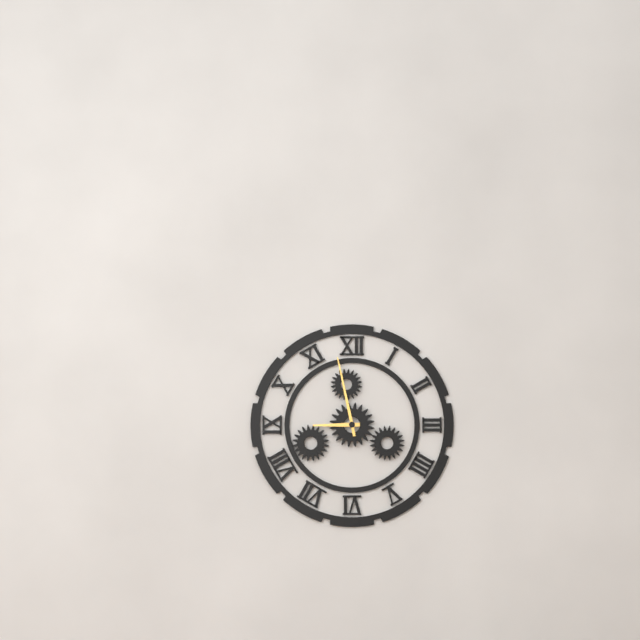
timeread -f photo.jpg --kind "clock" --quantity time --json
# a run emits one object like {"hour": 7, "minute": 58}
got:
{"hour": 8, "minute": 58}
